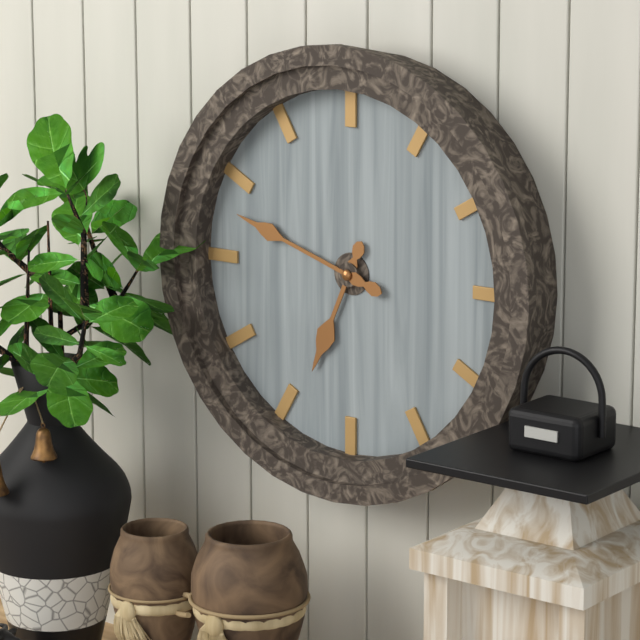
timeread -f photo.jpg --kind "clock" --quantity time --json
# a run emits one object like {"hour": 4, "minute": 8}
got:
{"hour": 6, "minute": 48}
